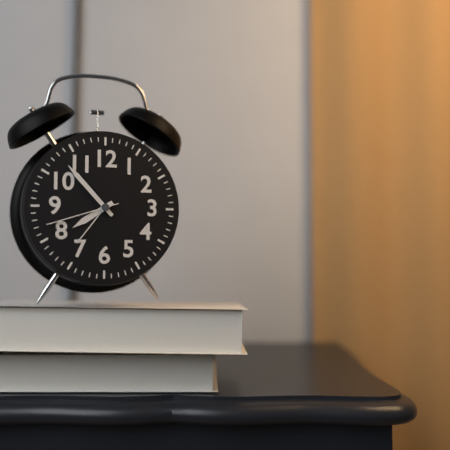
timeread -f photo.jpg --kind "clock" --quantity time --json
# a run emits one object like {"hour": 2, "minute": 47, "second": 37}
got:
{"hour": 7, "minute": 53, "second": 42}
